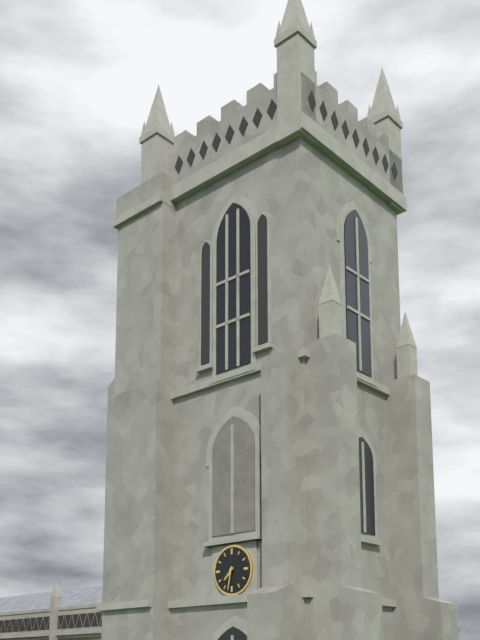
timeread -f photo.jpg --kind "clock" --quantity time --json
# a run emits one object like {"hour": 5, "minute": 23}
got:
{"hour": 7, "minute": 32}
